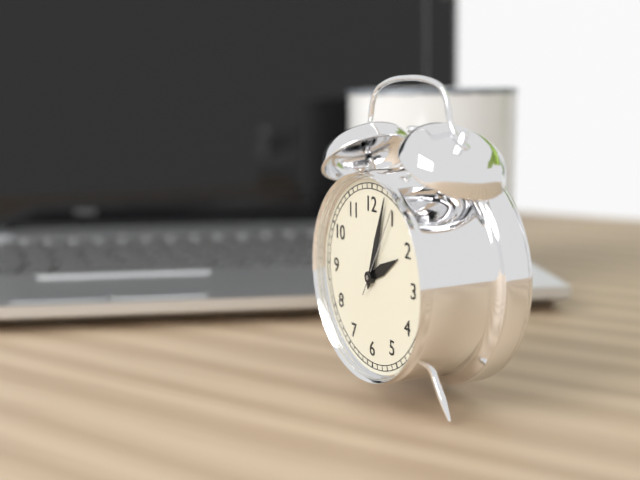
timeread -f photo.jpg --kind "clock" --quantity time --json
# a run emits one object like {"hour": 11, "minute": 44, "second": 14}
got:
{"hour": 2, "minute": 3, "second": 5}
